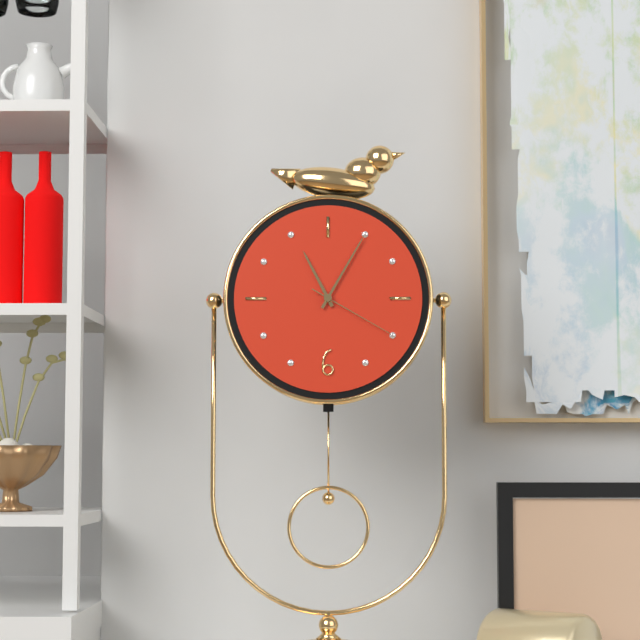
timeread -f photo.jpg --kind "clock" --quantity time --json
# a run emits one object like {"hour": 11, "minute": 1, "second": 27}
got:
{"hour": 11, "minute": 5, "second": 20}
